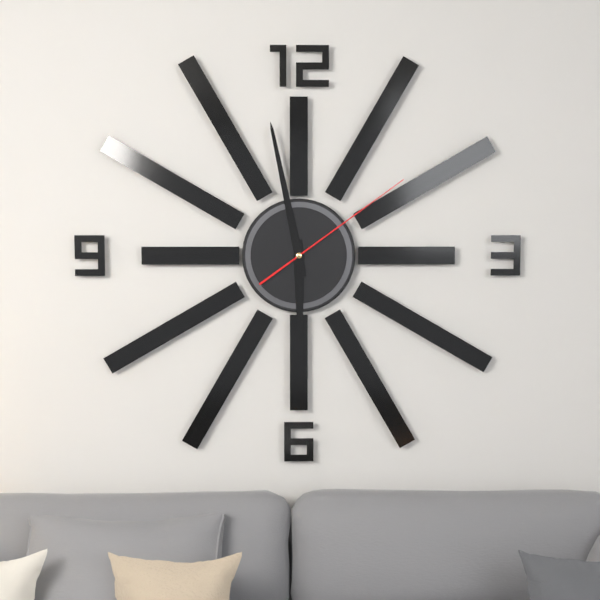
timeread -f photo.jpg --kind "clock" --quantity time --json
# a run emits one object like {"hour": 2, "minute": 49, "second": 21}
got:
{"hour": 5, "minute": 58, "second": 9}
